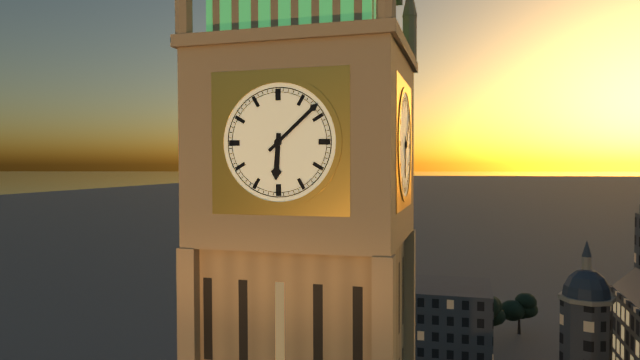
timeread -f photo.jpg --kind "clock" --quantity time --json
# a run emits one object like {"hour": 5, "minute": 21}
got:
{"hour": 6, "minute": 8}
